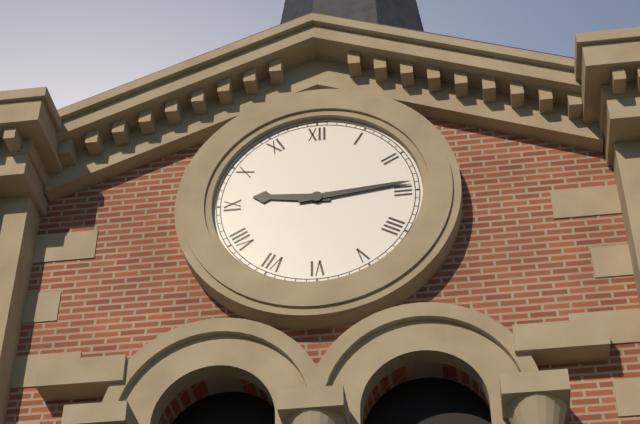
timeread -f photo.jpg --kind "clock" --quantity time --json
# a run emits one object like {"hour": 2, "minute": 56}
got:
{"hour": 9, "minute": 14}
